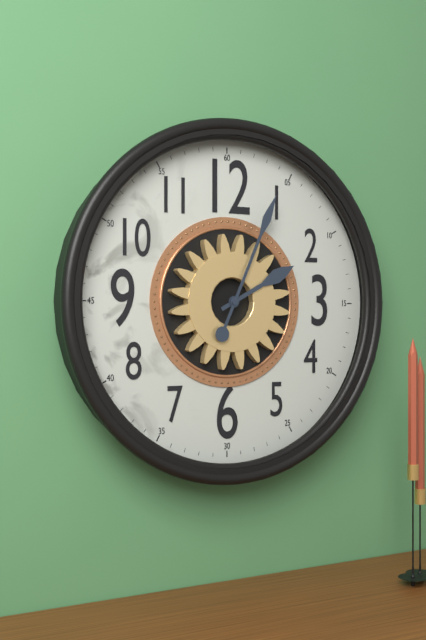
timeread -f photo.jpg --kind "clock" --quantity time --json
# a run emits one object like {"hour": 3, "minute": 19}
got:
{"hour": 2, "minute": 4}
